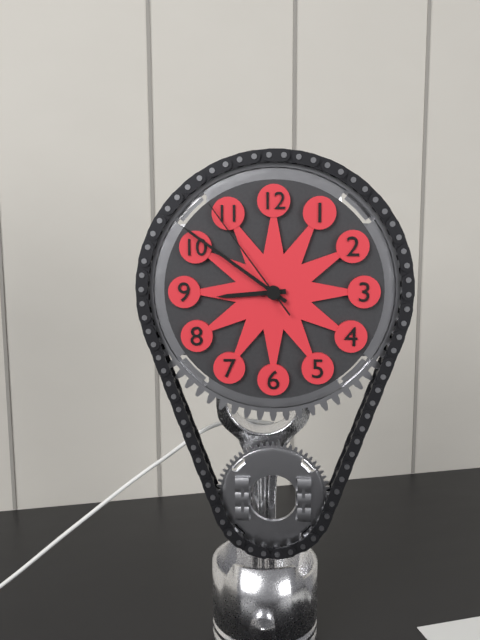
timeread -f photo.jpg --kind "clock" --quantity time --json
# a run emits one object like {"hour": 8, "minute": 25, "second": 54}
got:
{"hour": 8, "minute": 51, "second": 54}
